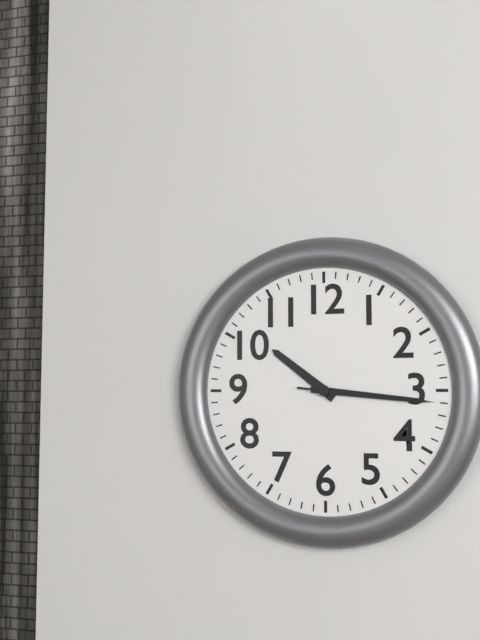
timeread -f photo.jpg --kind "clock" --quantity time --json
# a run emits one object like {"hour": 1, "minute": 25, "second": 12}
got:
{"hour": 10, "minute": 16, "second": 16}
